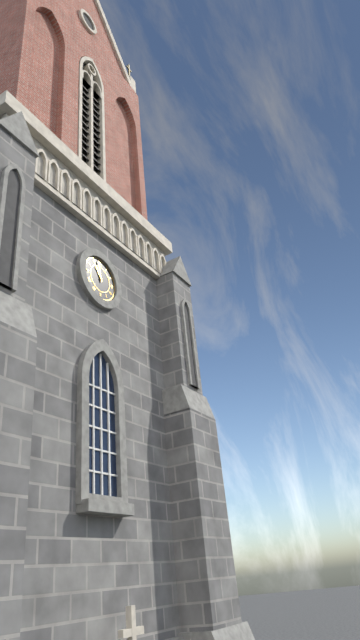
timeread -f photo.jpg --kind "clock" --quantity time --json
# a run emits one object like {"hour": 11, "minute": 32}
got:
{"hour": 10, "minute": 58}
